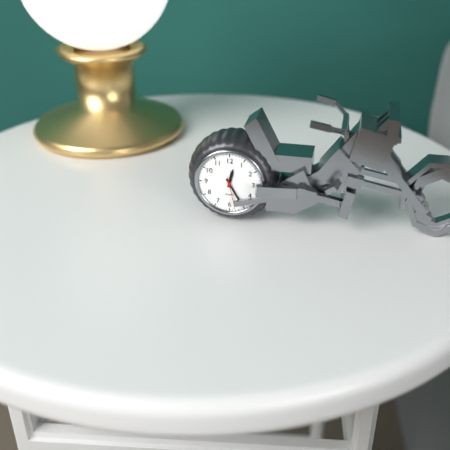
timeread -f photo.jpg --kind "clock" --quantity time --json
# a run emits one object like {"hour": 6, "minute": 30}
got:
{"hour": 12, "minute": 25}
